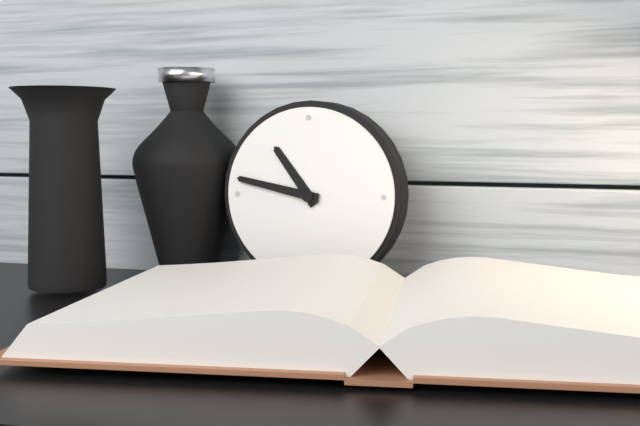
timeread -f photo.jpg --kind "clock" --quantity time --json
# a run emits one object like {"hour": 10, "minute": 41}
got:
{"hour": 10, "minute": 47}
